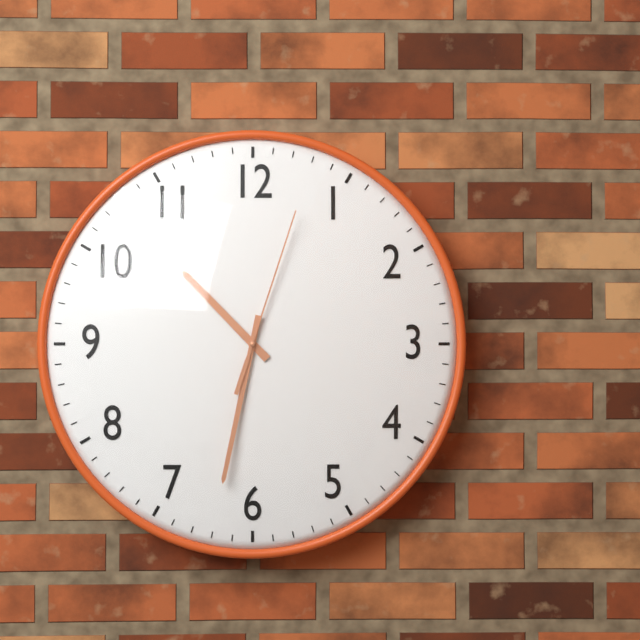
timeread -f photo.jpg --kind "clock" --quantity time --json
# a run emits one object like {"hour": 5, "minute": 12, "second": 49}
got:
{"hour": 10, "minute": 32, "second": 3}
